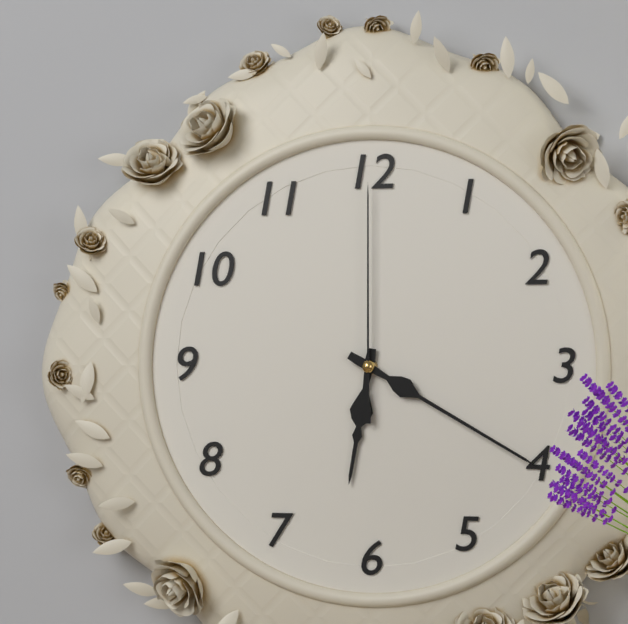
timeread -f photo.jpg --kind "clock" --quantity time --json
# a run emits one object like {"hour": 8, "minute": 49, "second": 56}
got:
{"hour": 6, "minute": 20, "second": 0}
